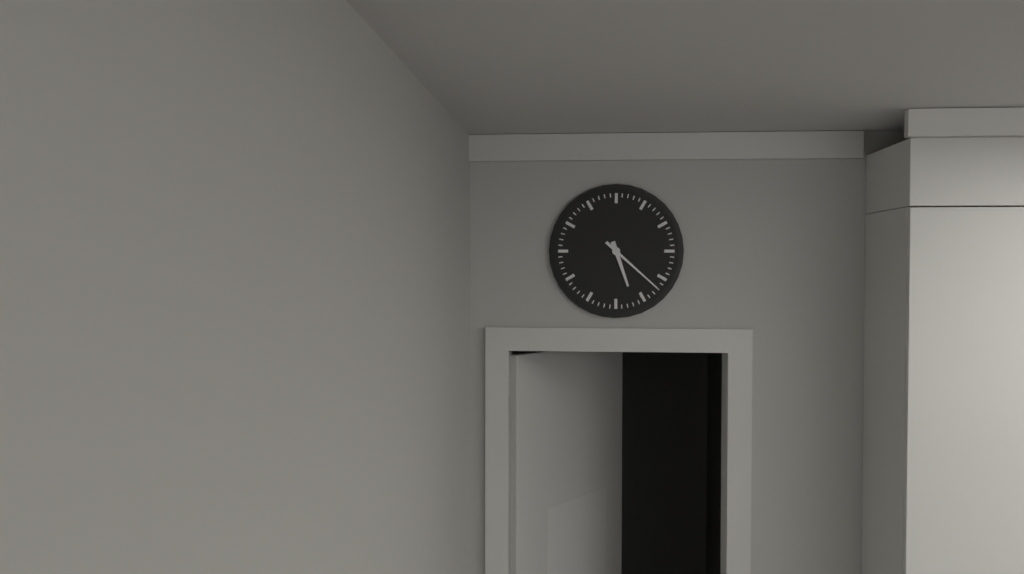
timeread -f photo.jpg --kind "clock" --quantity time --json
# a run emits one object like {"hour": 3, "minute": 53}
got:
{"hour": 5, "minute": 22}
